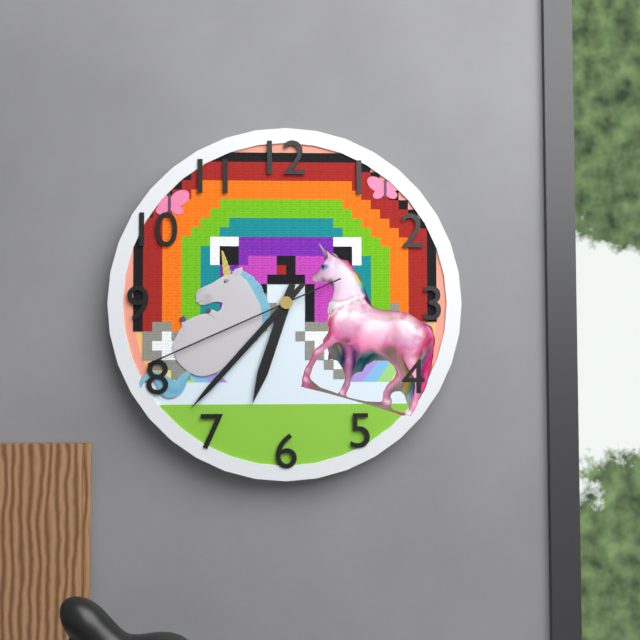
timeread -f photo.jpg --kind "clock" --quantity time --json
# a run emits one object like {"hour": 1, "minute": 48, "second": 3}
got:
{"hour": 6, "minute": 37, "second": 41}
